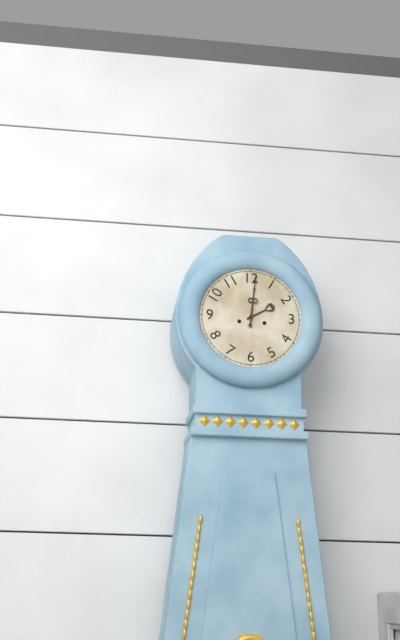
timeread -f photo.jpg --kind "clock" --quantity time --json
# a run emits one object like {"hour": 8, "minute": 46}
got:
{"hour": 2, "minute": 1}
